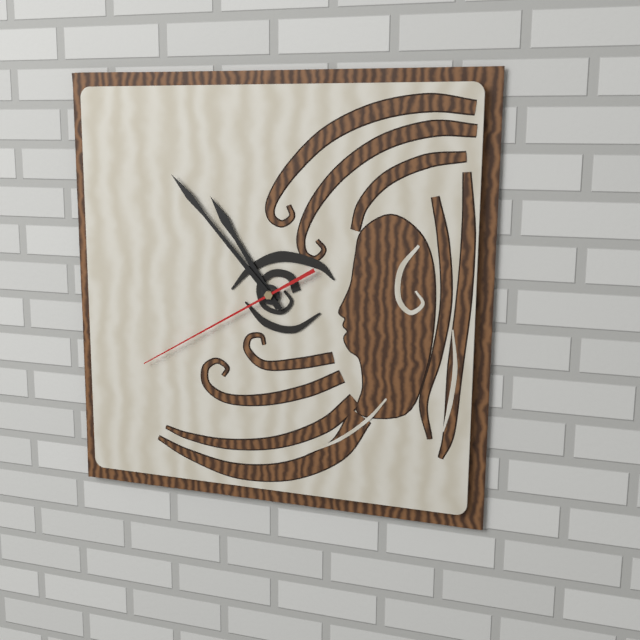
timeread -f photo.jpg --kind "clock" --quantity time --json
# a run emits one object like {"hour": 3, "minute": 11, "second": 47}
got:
{"hour": 10, "minute": 53, "second": 40}
